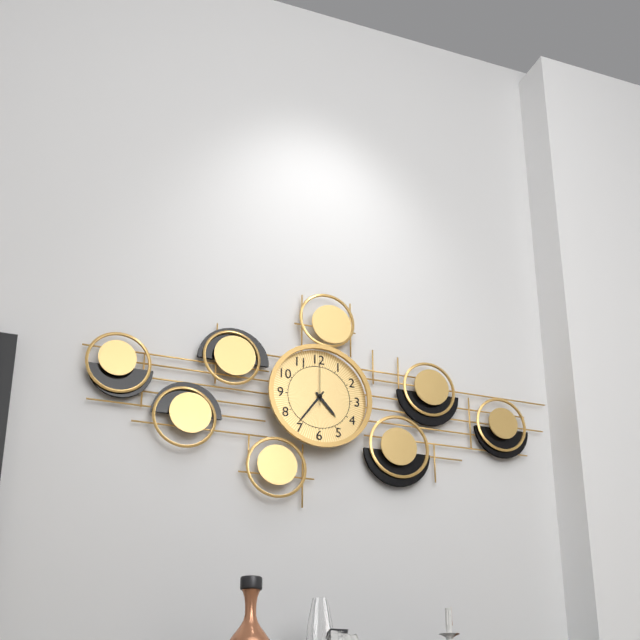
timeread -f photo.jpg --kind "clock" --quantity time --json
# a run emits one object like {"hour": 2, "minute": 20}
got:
{"hour": 4, "minute": 36}
